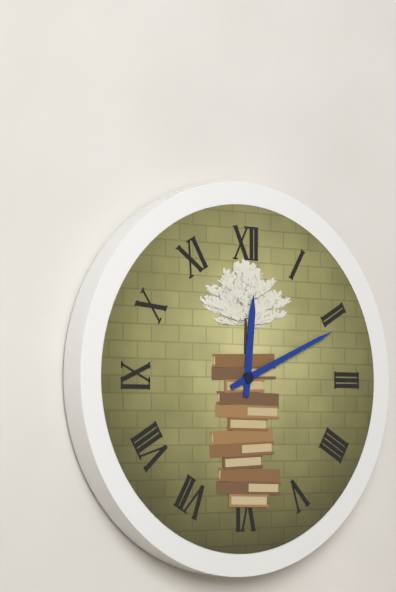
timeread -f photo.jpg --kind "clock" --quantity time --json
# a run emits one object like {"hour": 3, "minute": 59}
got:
{"hour": 12, "minute": 11}
